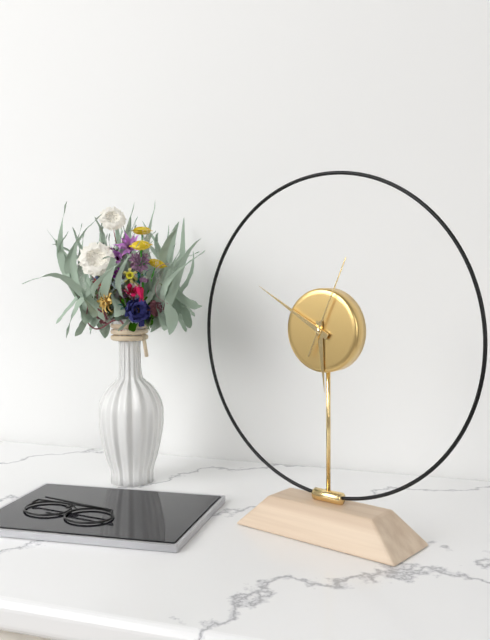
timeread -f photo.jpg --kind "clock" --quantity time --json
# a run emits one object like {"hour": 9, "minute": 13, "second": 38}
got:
{"hour": 5, "minute": 50, "second": 4}
